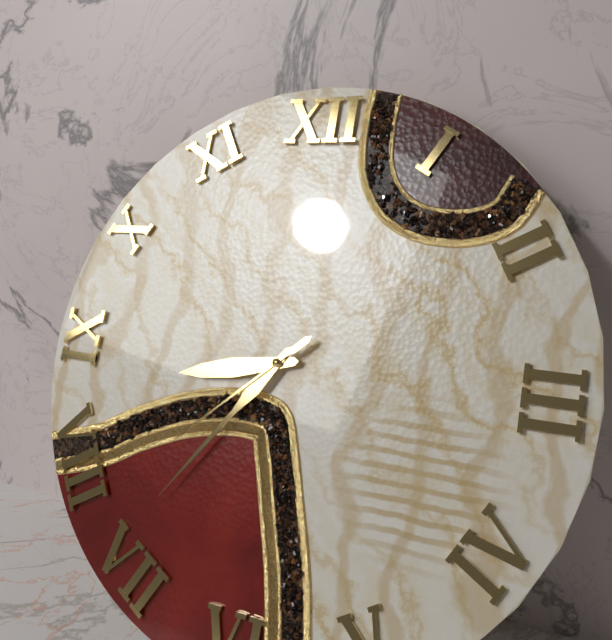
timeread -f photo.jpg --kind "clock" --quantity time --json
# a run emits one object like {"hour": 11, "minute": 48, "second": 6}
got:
{"hour": 8, "minute": 36, "second": 38}
